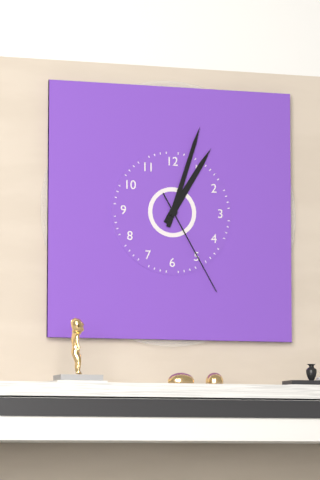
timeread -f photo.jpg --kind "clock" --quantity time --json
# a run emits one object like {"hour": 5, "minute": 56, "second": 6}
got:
{"hour": 1, "minute": 3, "second": 25}
